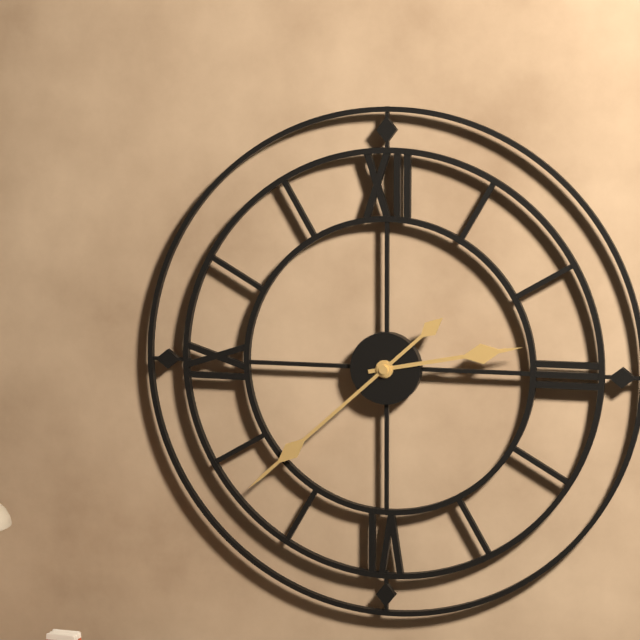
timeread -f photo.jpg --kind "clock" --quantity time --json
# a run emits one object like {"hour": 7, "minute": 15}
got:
{"hour": 2, "minute": 38}
